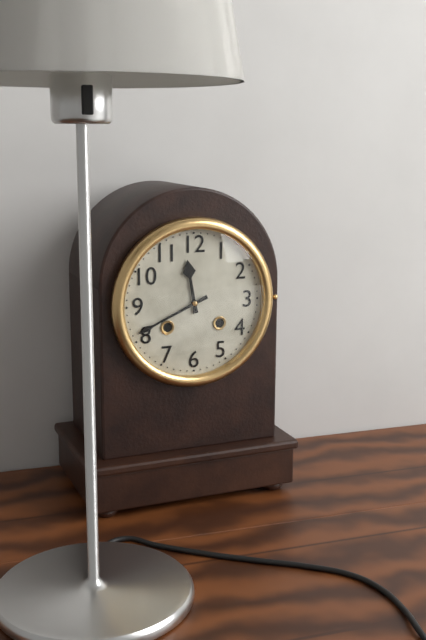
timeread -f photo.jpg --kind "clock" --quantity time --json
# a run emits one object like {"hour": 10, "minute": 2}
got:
{"hour": 11, "minute": 41}
